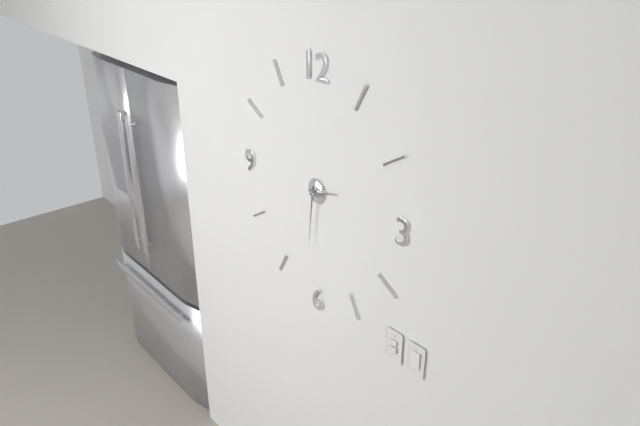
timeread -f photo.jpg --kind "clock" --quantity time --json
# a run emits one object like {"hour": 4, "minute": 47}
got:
{"hour": 2, "minute": 31}
